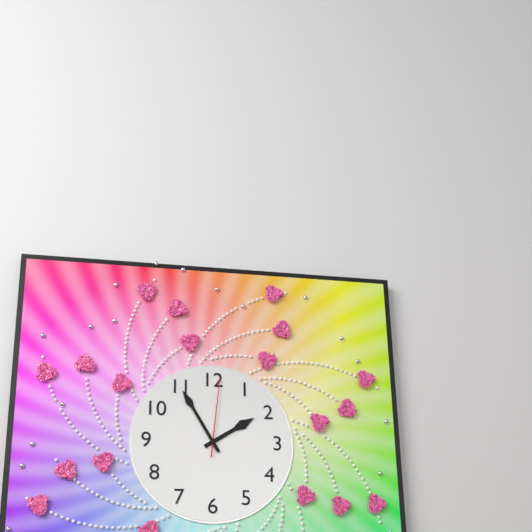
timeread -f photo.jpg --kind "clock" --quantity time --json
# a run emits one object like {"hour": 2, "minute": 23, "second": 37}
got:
{"hour": 1, "minute": 55, "second": 1}
